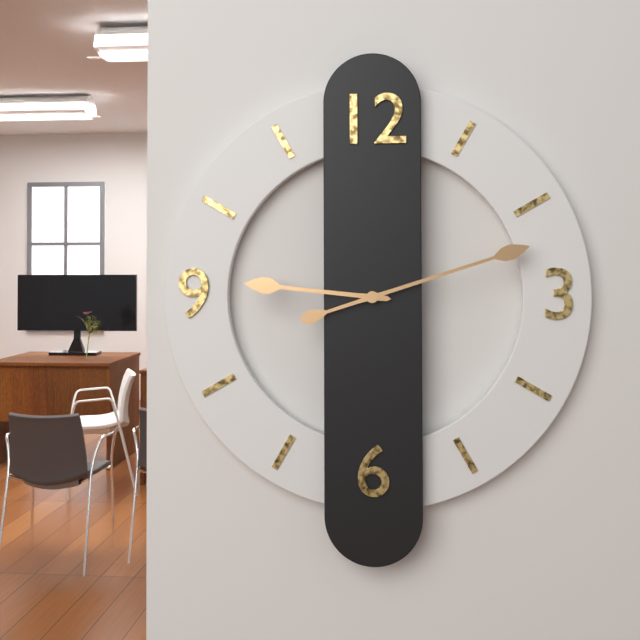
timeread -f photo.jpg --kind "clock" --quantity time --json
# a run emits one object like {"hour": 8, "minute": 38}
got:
{"hour": 9, "minute": 12}
